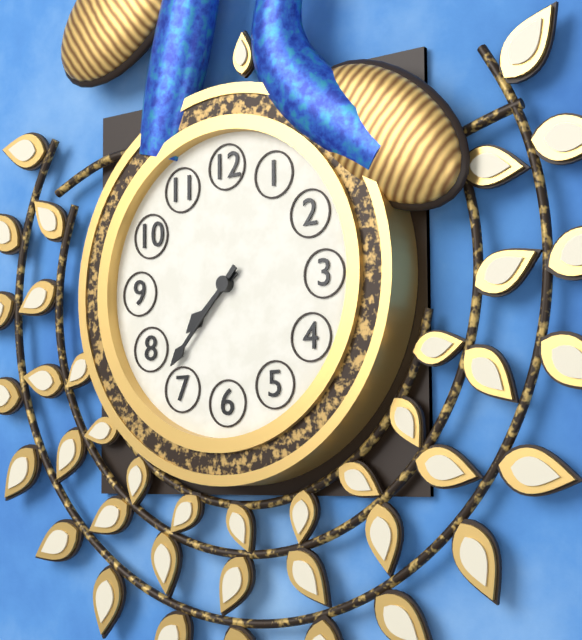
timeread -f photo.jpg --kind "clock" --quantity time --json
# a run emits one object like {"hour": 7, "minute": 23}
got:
{"hour": 7, "minute": 37}
